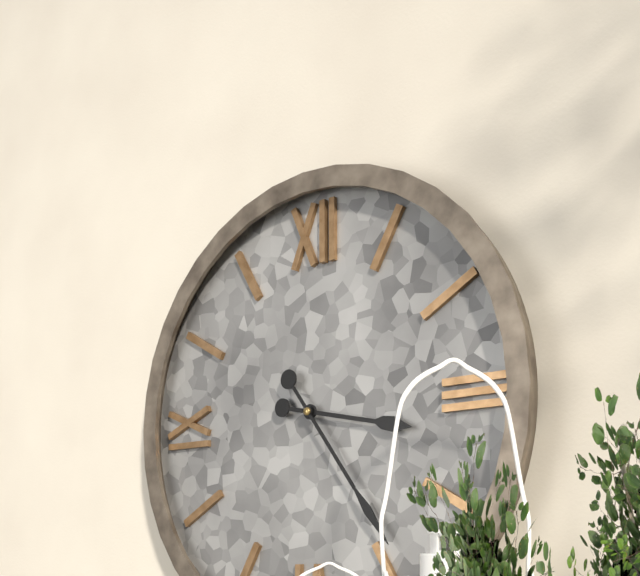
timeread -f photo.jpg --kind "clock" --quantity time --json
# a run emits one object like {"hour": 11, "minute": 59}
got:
{"hour": 3, "minute": 24}
